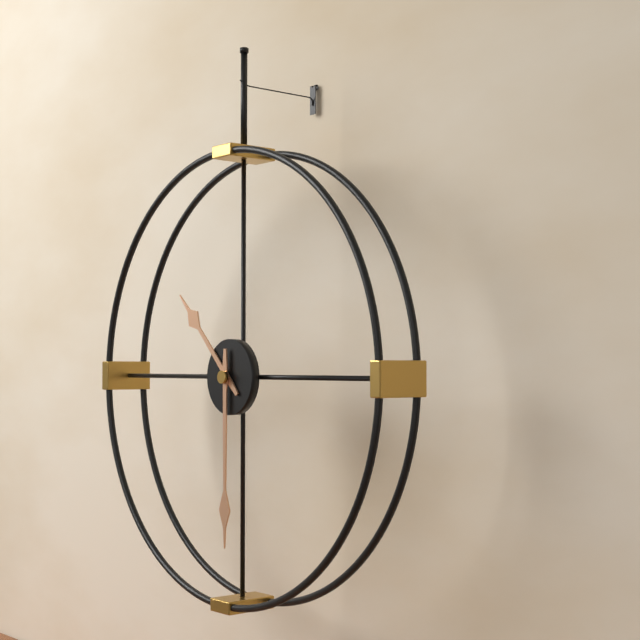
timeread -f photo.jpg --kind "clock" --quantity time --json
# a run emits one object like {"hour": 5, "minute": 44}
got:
{"hour": 10, "minute": 30}
